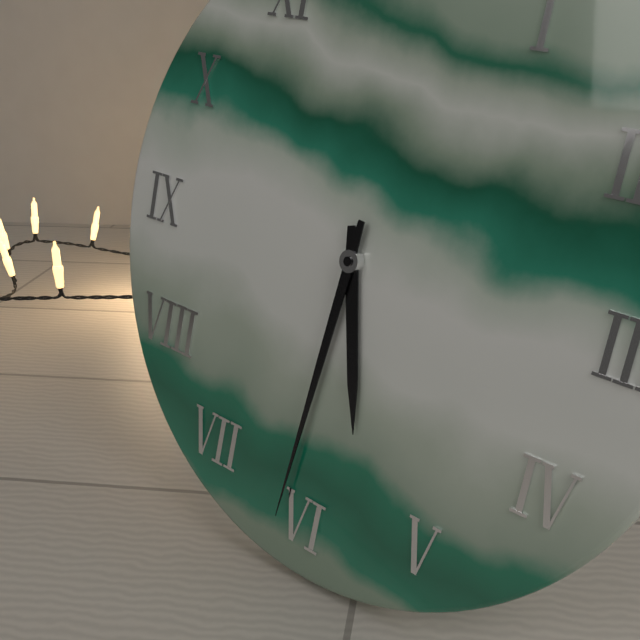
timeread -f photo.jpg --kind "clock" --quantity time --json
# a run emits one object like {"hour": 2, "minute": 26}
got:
{"hour": 5, "minute": 31}
